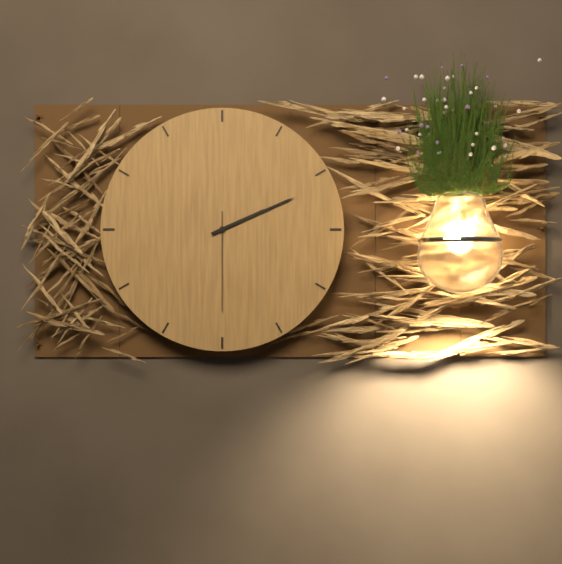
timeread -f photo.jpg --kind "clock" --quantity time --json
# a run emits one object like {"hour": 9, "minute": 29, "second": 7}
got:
{"hour": 2, "minute": 11, "second": 30}
